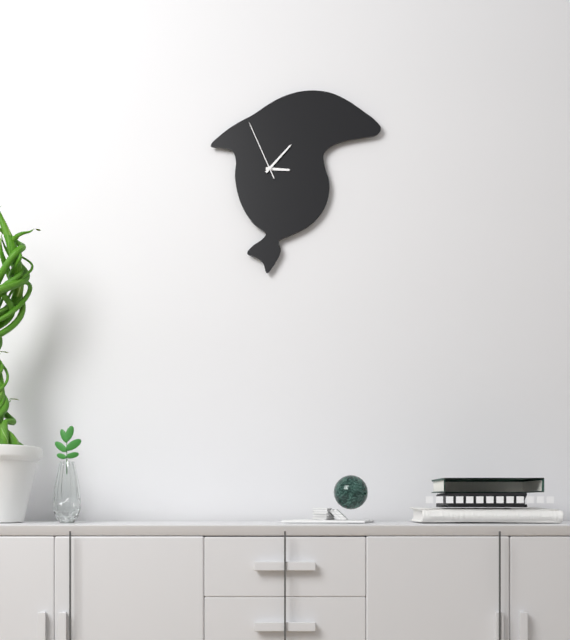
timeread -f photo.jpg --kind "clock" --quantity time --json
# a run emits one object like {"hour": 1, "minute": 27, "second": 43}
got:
{"hour": 3, "minute": 7, "second": 56}
